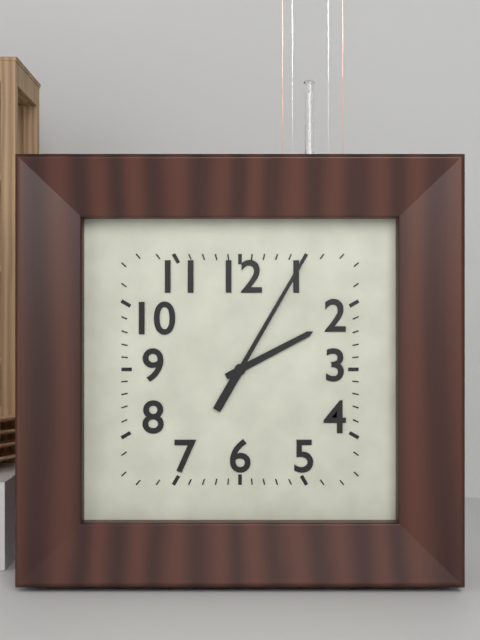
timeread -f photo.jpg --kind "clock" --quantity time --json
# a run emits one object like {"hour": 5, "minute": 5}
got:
{"hour": 2, "minute": 5}
